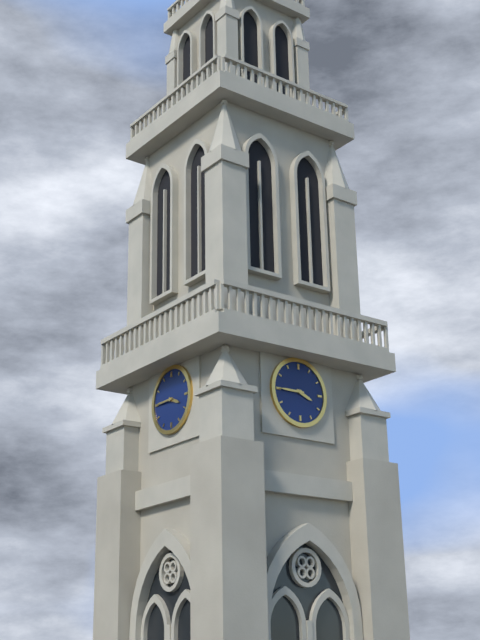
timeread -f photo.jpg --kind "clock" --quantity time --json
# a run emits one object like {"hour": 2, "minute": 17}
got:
{"hour": 3, "minute": 45}
